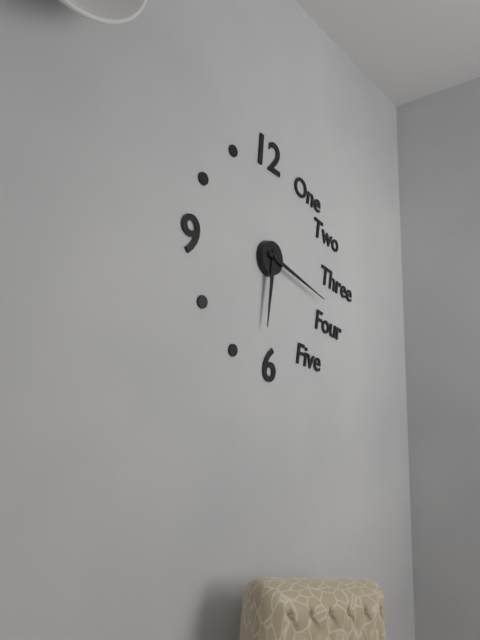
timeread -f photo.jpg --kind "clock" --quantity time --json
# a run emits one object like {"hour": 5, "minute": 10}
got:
{"hour": 6, "minute": 18}
